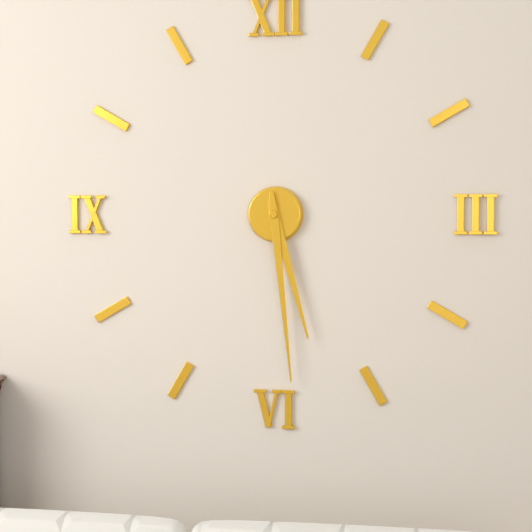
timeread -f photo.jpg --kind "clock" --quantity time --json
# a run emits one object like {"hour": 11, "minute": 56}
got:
{"hour": 5, "minute": 29}
